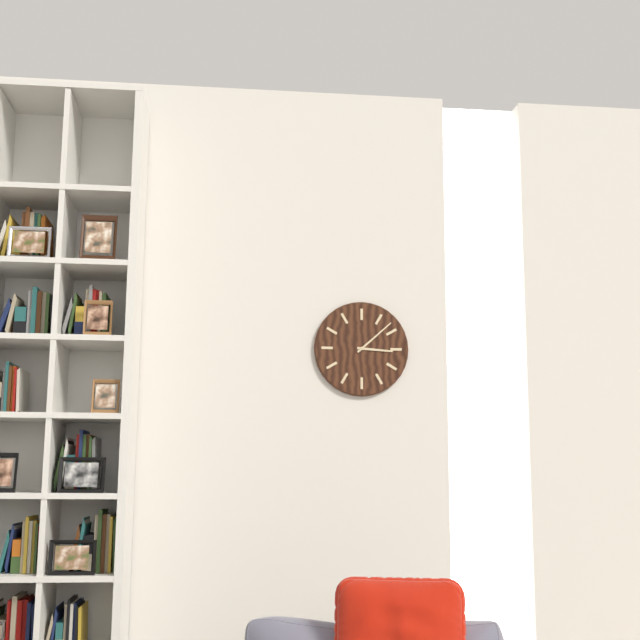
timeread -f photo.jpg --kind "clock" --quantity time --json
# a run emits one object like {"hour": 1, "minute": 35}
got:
{"hour": 3, "minute": 8}
